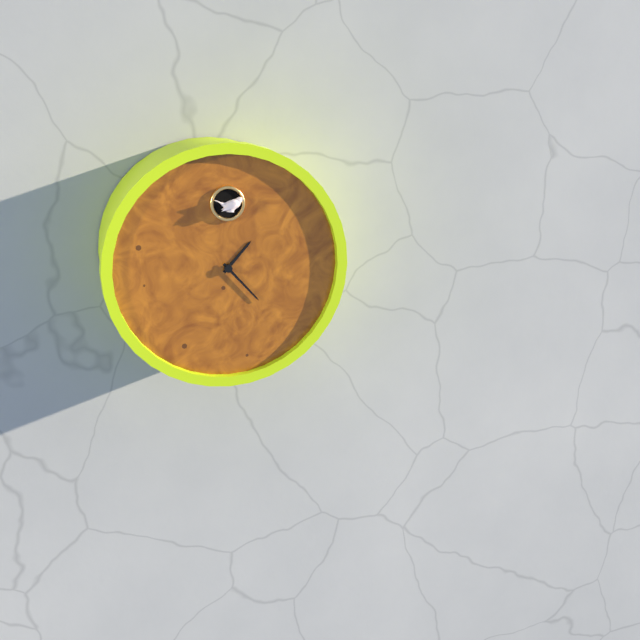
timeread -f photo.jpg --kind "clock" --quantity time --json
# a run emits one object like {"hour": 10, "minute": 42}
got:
{"hour": 1, "minute": 23}
